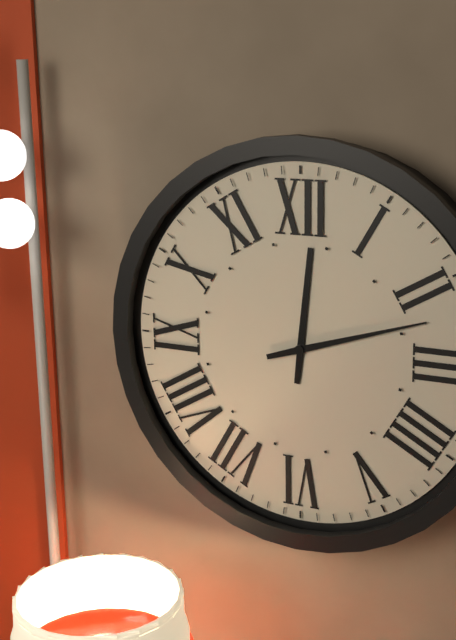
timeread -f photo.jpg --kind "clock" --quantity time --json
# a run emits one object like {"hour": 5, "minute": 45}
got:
{"hour": 12, "minute": 12}
